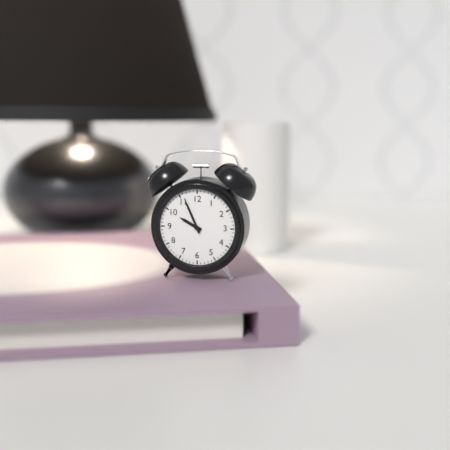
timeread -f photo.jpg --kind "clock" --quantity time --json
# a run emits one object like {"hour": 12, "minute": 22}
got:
{"hour": 9, "minute": 56}
